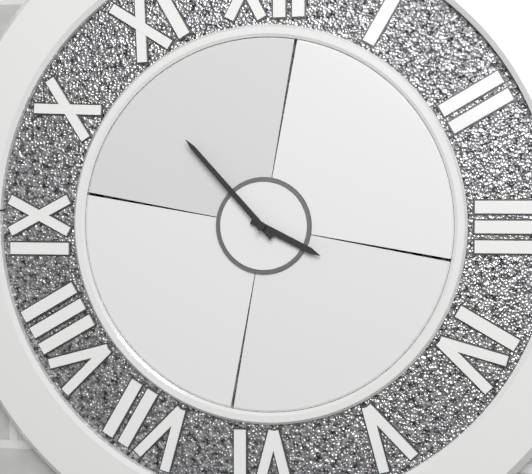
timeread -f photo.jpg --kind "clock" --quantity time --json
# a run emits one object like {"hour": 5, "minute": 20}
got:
{"hour": 3, "minute": 53}
